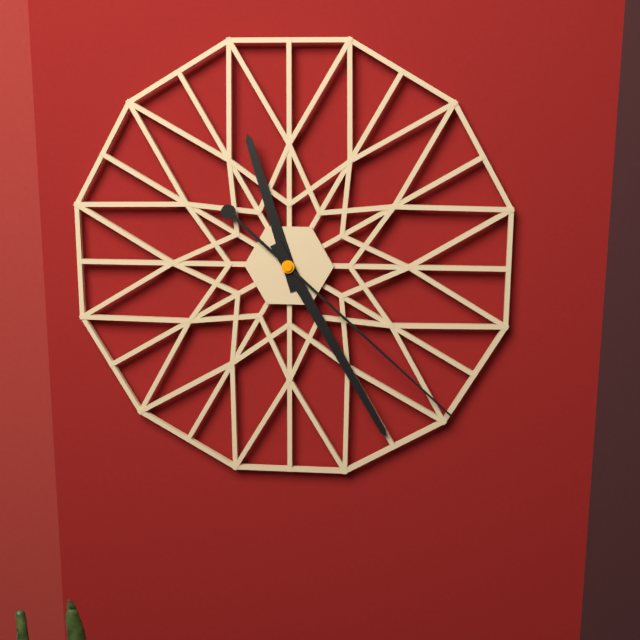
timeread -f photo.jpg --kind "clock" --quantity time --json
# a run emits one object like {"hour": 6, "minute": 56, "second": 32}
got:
{"hour": 11, "minute": 25, "second": 22}
